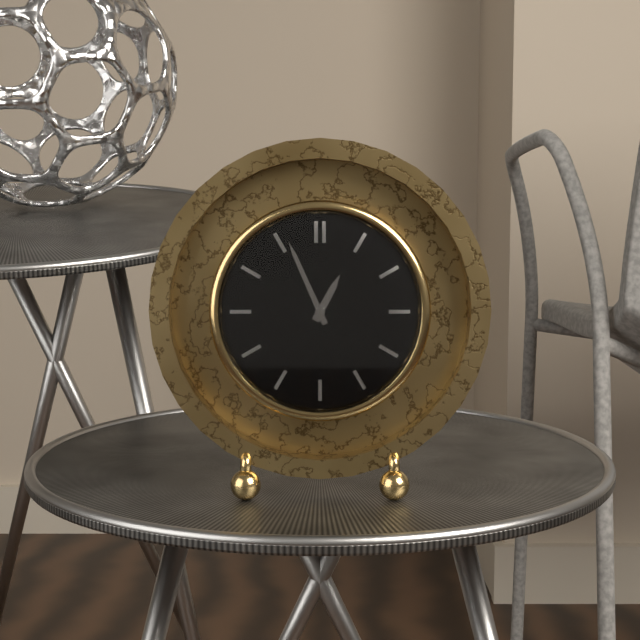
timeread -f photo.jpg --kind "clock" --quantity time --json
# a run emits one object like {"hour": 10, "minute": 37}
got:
{"hour": 12, "minute": 56}
